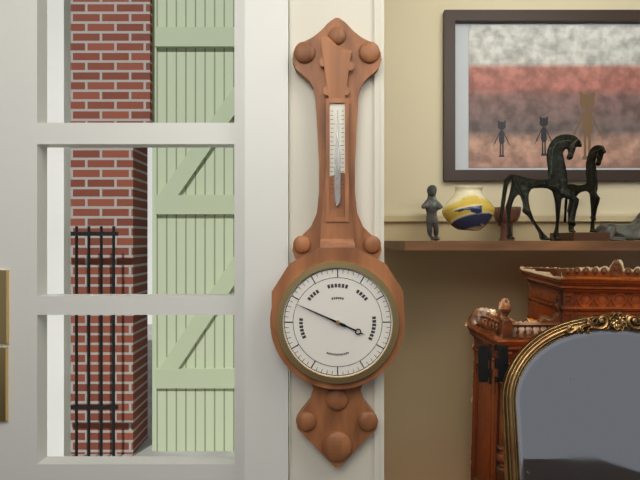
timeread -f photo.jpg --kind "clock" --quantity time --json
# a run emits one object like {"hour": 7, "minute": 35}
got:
{"hour": 3, "minute": 49}
